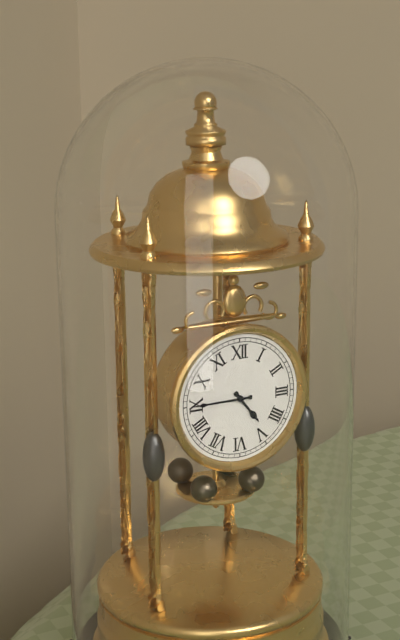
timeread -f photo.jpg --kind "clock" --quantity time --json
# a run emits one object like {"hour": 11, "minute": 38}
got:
{"hour": 4, "minute": 45}
